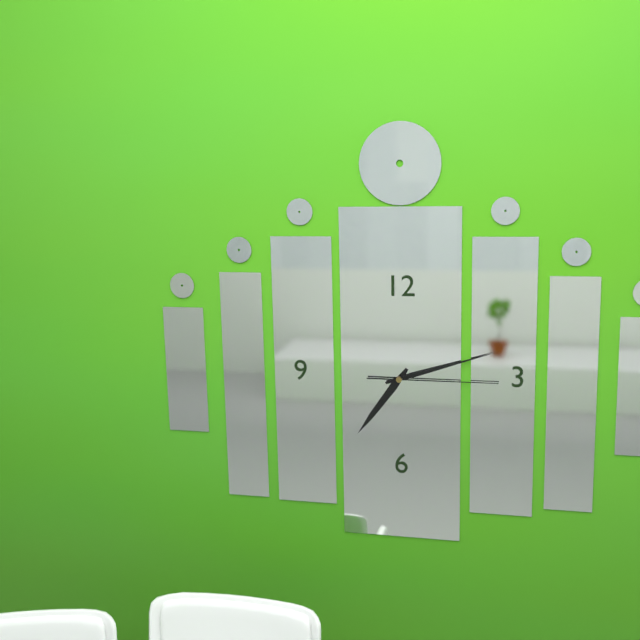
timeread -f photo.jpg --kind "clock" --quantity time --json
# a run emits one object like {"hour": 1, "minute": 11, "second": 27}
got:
{"hour": 7, "minute": 12, "second": 15}
